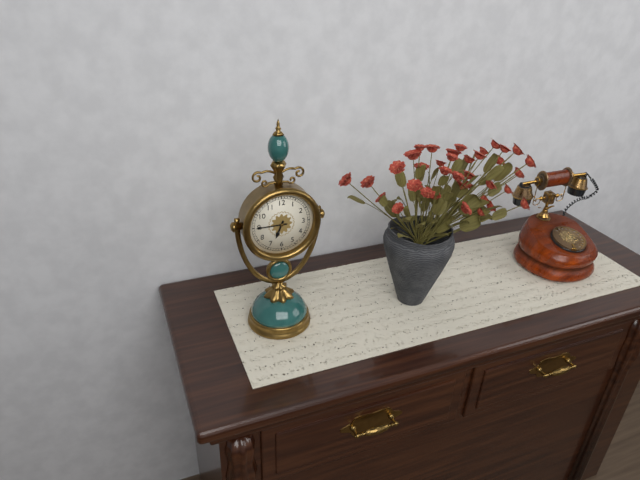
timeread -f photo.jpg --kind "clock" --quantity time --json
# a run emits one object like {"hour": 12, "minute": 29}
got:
{"hour": 6, "minute": 45}
